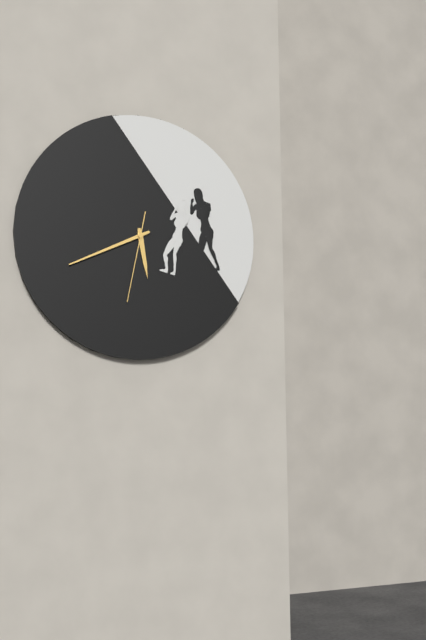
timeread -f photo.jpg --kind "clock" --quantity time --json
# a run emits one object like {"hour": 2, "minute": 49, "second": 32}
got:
{"hour": 5, "minute": 41, "second": 32}
